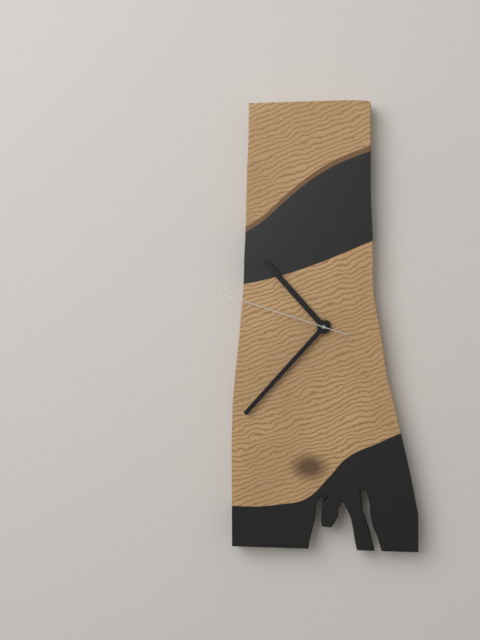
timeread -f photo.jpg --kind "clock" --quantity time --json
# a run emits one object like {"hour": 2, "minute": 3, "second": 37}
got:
{"hour": 10, "minute": 37, "second": 48}
